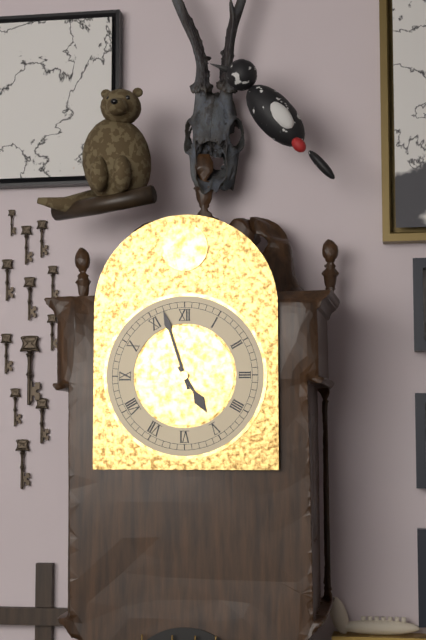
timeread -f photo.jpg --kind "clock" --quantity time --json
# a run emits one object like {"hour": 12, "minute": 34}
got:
{"hour": 4, "minute": 57}
